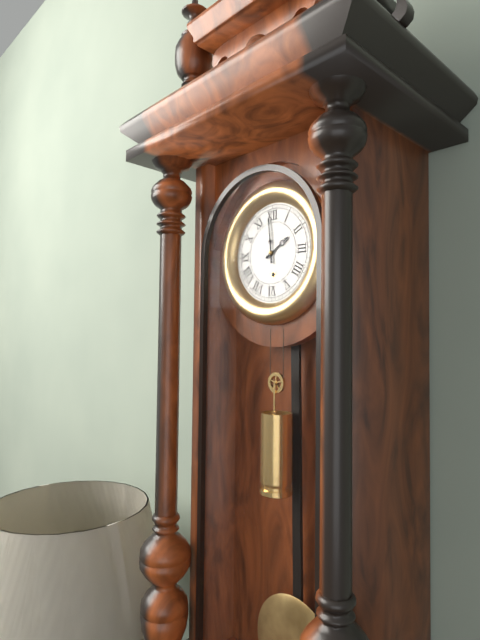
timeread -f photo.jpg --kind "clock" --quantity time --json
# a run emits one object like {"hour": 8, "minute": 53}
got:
{"hour": 1, "minute": 59}
